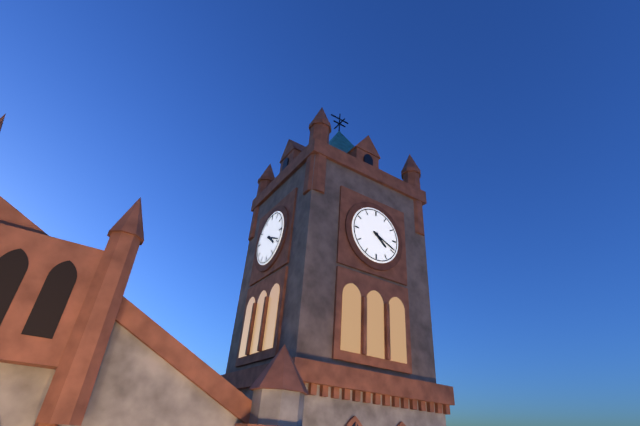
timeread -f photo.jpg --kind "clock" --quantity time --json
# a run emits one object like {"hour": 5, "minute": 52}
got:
{"hour": 4, "minute": 19}
